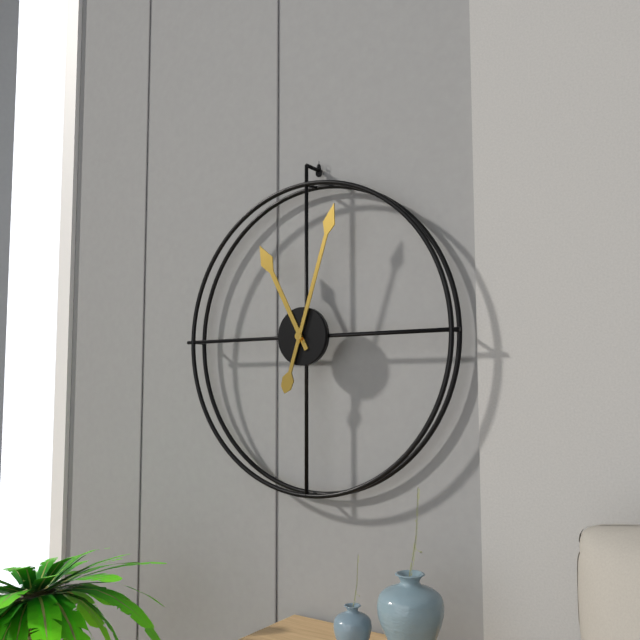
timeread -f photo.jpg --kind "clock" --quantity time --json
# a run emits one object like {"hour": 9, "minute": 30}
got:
{"hour": 11, "minute": 3}
